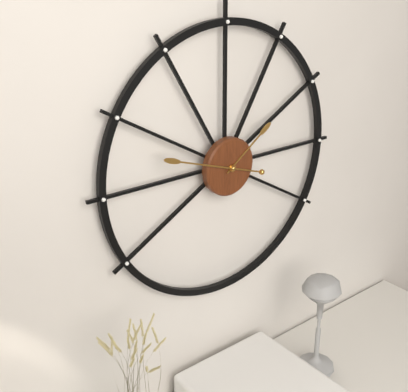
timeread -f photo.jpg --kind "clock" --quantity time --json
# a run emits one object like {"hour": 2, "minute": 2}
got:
{"hour": 1, "minute": 48}
